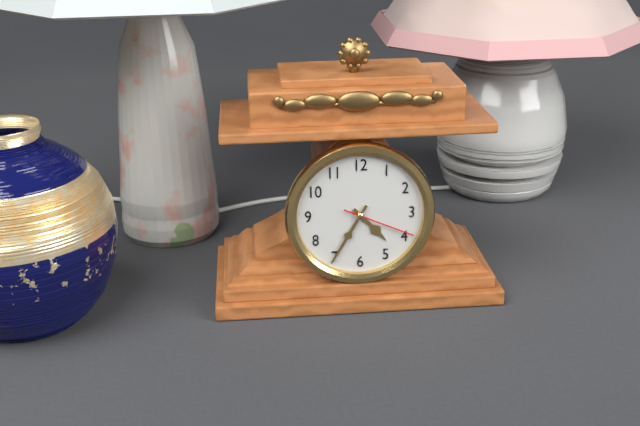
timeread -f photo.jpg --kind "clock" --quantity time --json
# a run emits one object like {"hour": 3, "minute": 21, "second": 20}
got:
{"hour": 4, "minute": 35, "second": 19}
